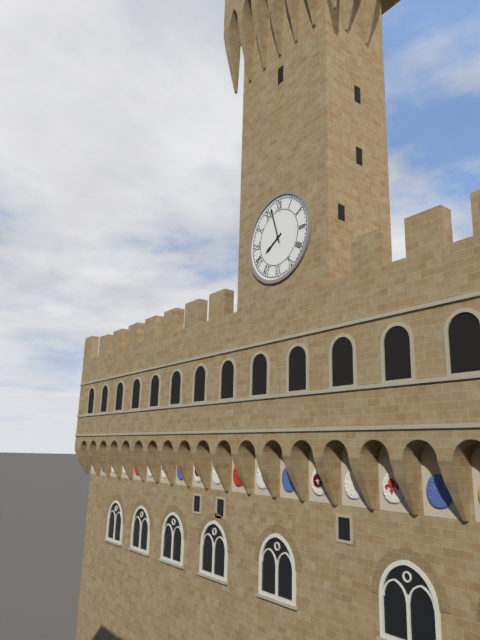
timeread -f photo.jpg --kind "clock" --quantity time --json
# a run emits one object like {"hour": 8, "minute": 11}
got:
{"hour": 7, "minute": 57}
